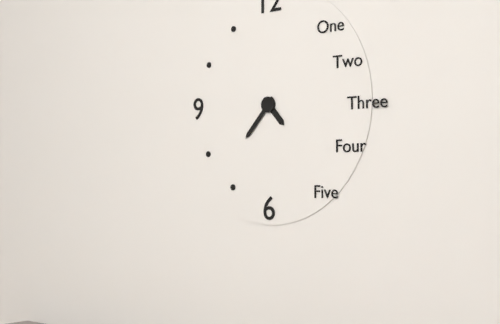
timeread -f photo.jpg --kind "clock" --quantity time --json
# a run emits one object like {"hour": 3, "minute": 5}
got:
{"hour": 4, "minute": 37}
